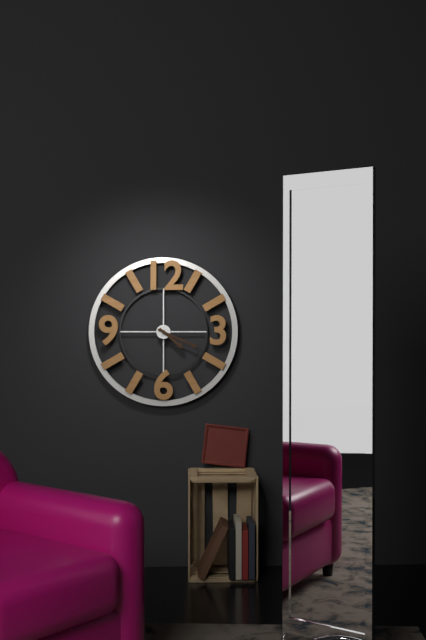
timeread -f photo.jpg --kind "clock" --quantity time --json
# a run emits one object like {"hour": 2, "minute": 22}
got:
{"hour": 4, "minute": 19}
